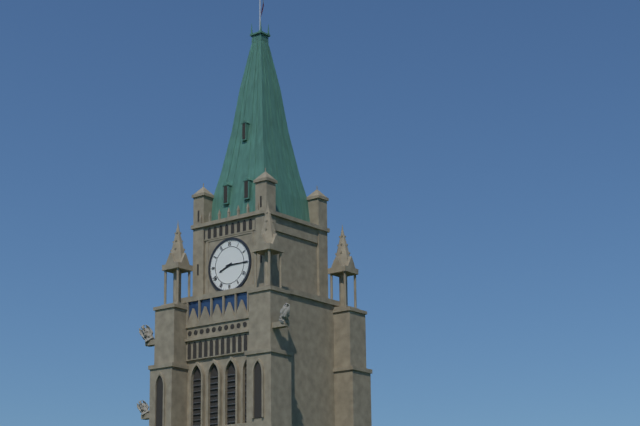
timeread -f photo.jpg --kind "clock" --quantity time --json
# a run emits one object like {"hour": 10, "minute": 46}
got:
{"hour": 8, "minute": 15}
